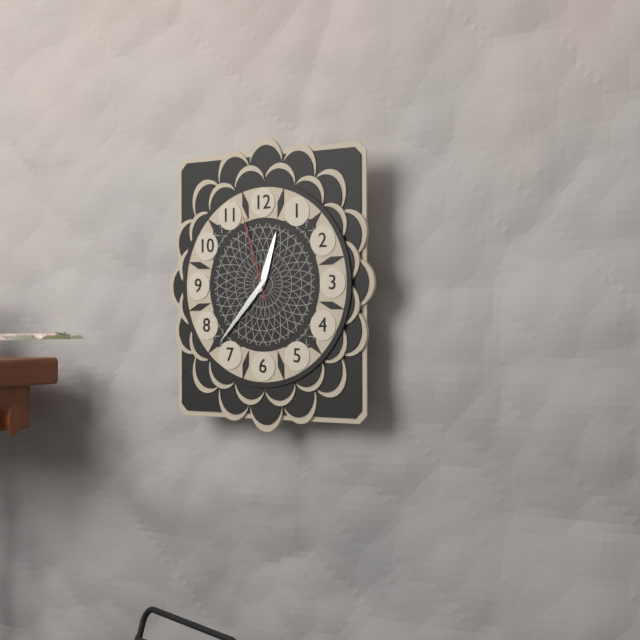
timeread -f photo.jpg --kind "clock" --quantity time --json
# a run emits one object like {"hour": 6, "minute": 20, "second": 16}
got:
{"hour": 12, "minute": 37, "second": 57}
